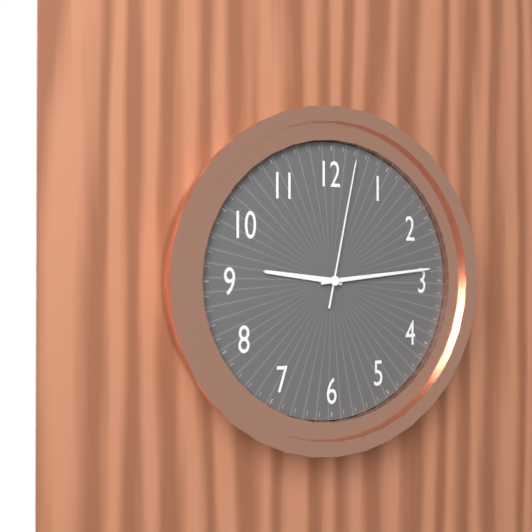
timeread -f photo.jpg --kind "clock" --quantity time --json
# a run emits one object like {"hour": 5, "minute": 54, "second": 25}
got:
{"hour": 9, "minute": 14, "second": 2}
